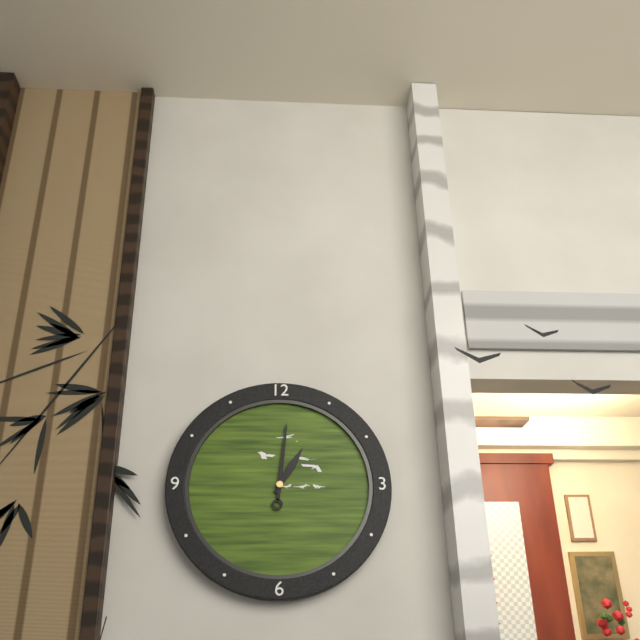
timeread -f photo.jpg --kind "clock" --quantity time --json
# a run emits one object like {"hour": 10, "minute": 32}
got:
{"hour": 1, "minute": 1}
